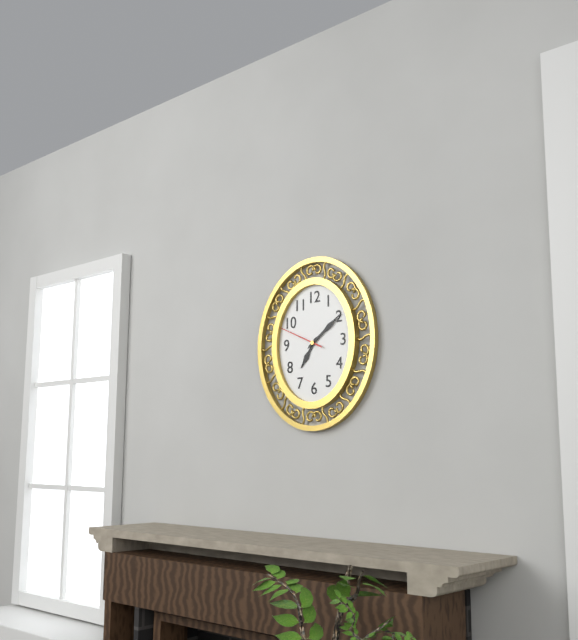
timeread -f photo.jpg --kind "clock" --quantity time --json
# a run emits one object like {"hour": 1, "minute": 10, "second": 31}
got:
{"hour": 7, "minute": 9, "second": 49}
